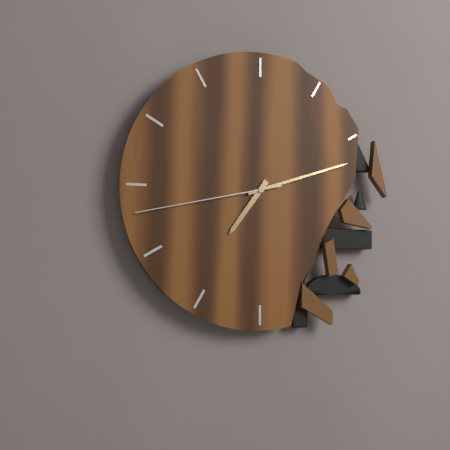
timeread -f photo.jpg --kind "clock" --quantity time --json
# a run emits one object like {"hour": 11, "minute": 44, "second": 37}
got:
{"hour": 7, "minute": 12, "second": 43}
